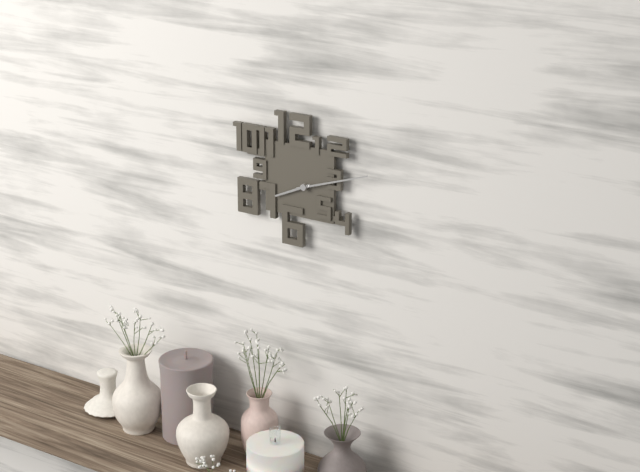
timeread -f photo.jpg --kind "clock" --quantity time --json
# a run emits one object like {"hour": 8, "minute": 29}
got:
{"hour": 8, "minute": 12}
